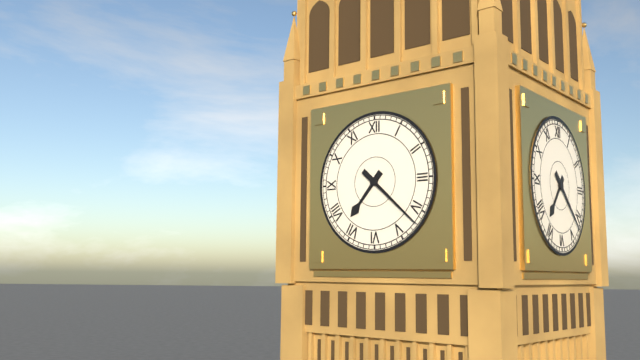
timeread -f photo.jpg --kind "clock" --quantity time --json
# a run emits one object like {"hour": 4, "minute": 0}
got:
{"hour": 7, "minute": 22}
